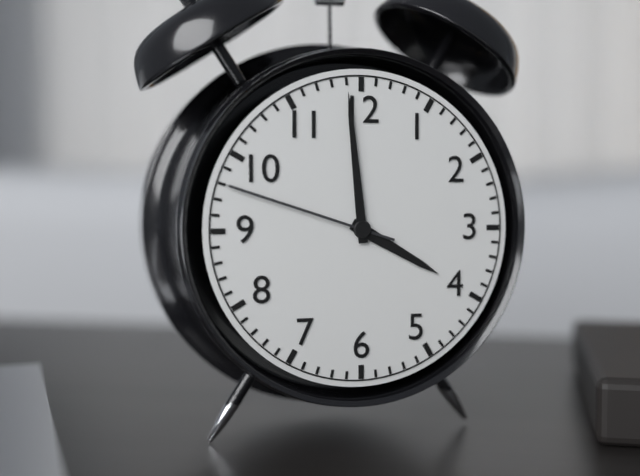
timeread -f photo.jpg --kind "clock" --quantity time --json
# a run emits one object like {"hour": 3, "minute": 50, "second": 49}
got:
{"hour": 3, "minute": 59, "second": 48}
